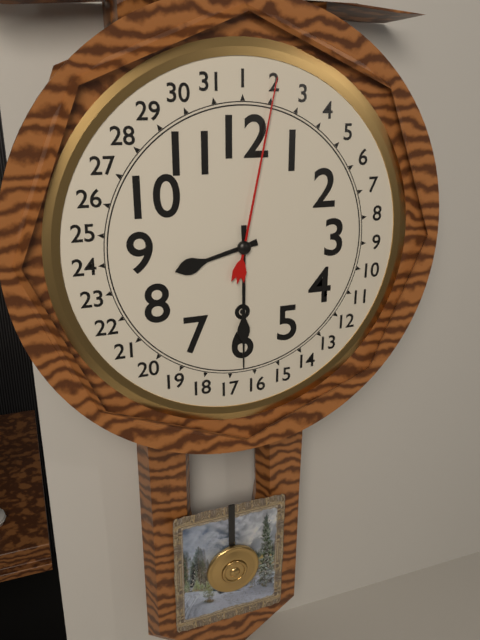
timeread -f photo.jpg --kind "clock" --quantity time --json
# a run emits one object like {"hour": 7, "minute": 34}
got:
{"hour": 8, "minute": 30}
